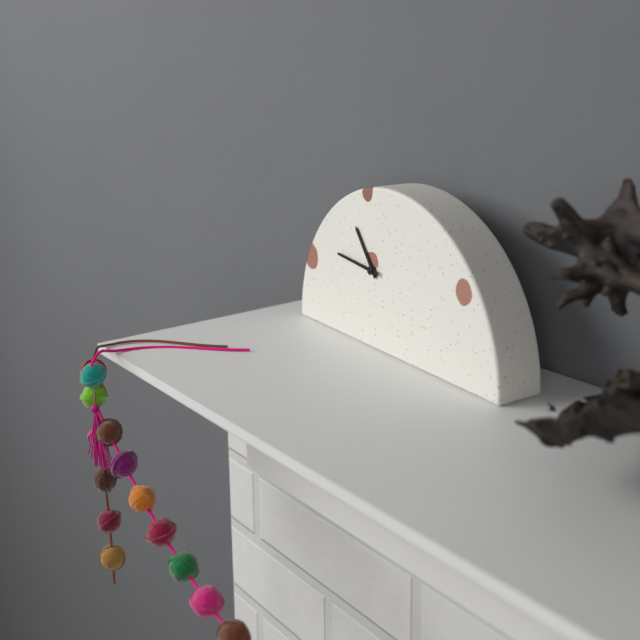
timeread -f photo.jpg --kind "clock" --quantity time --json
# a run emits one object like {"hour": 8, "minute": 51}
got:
{"hour": 10, "minute": 46}
